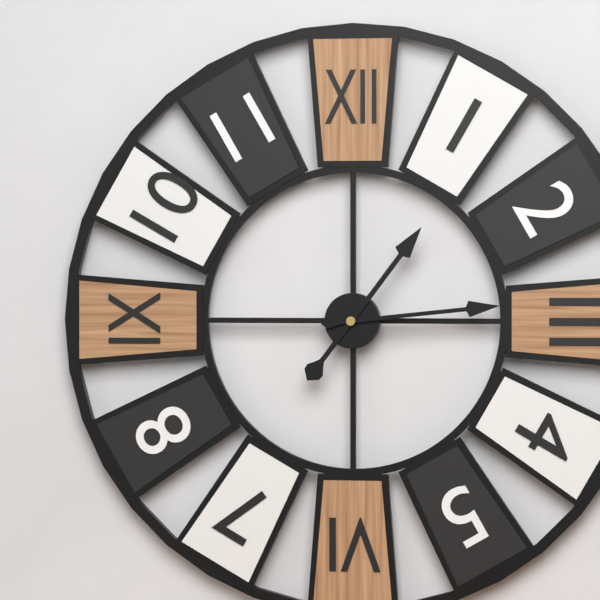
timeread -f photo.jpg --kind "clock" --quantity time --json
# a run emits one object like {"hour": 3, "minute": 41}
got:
{"hour": 1, "minute": 14}
